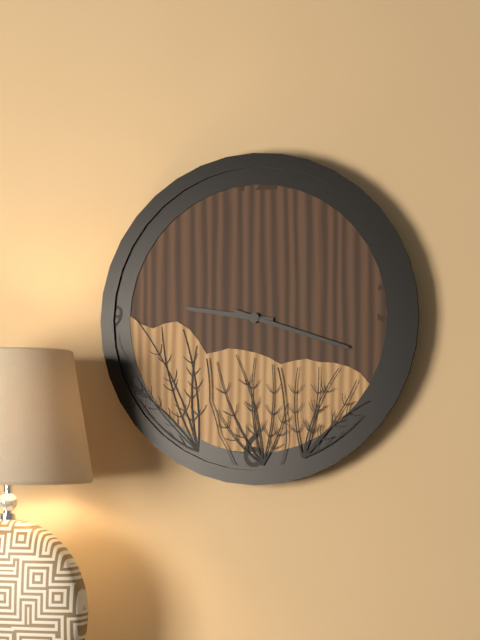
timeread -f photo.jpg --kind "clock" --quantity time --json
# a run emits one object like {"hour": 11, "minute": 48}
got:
{"hour": 9, "minute": 18}
